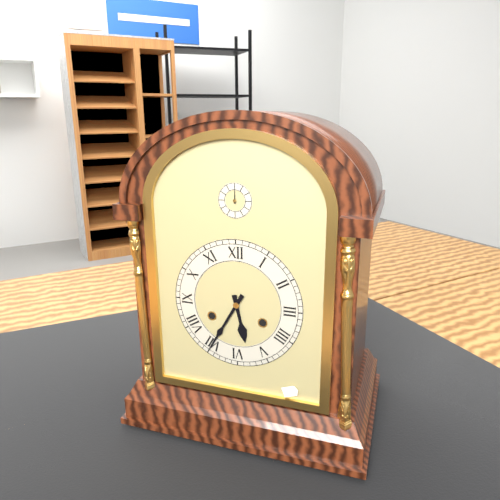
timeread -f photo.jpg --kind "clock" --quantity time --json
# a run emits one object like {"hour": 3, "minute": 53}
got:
{"hour": 5, "minute": 35}
